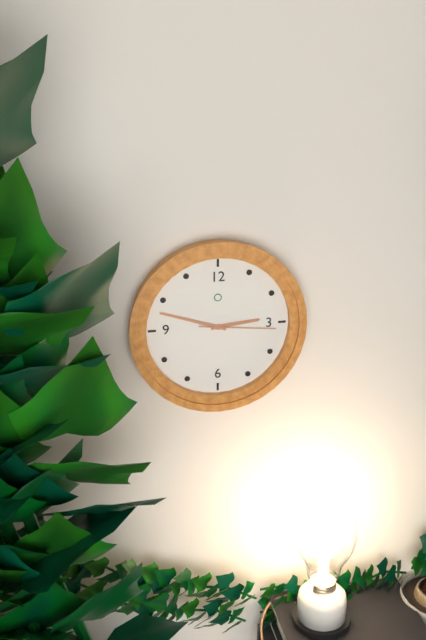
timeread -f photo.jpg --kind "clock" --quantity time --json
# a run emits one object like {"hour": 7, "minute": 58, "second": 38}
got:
{"hour": 2, "minute": 48, "second": 16}
